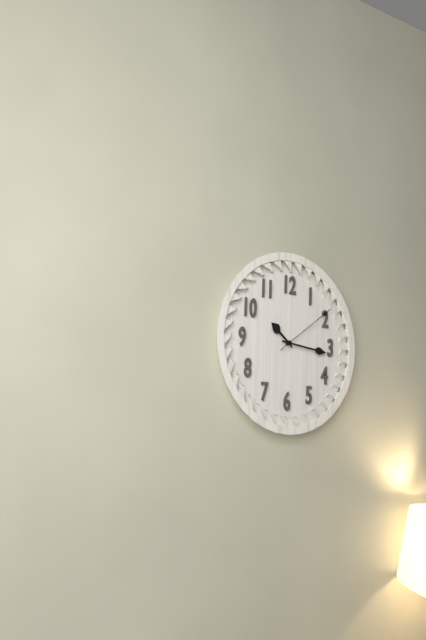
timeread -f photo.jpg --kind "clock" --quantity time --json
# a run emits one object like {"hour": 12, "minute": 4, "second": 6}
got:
{"hour": 10, "minute": 16, "second": 9}
